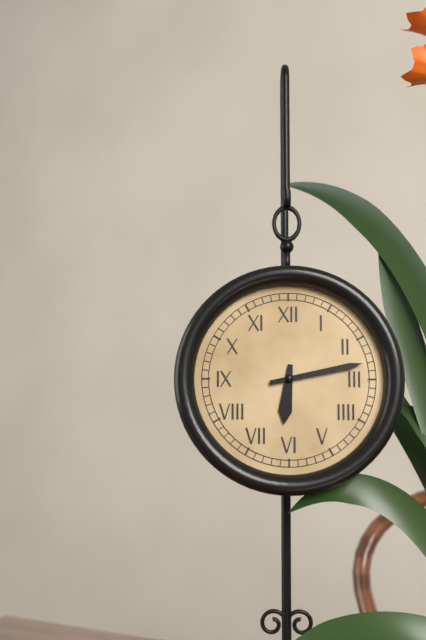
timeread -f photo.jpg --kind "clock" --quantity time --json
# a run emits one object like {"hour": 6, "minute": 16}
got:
{"hour": 6, "minute": 13}
